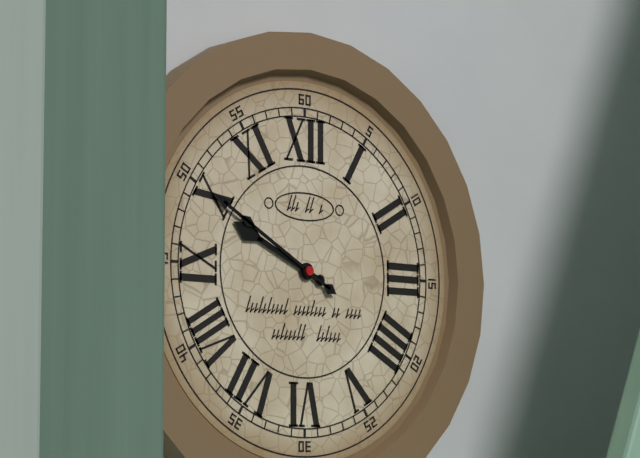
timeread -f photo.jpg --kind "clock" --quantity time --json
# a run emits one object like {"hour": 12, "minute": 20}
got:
{"hour": 9, "minute": 50}
